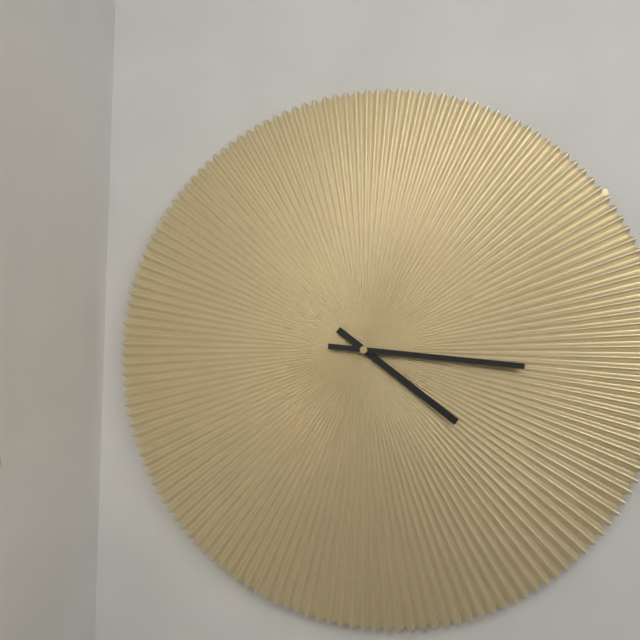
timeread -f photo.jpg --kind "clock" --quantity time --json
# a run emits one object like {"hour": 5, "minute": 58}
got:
{"hour": 4, "minute": 16}
